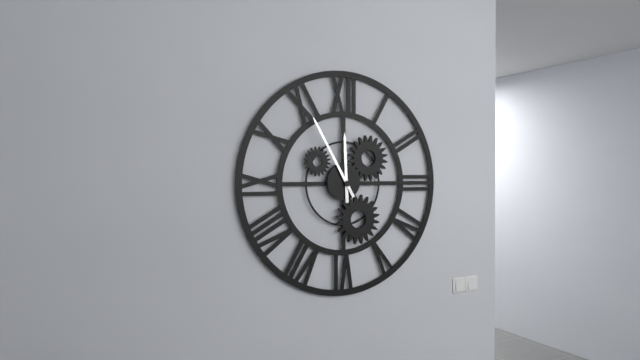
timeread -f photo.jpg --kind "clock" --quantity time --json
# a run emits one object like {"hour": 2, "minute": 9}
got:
{"hour": 11, "minute": 55}
